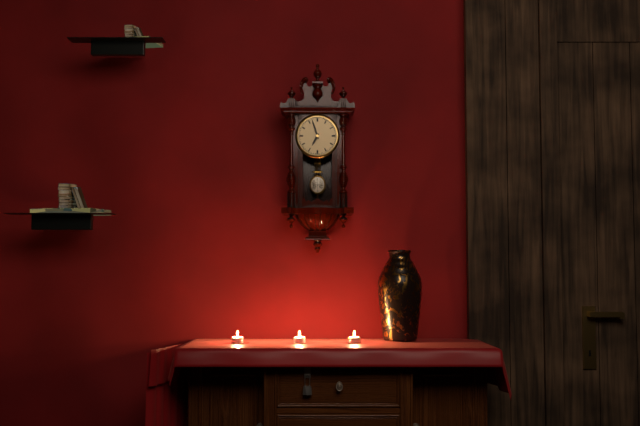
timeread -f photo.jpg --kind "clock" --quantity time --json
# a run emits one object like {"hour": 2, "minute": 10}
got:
{"hour": 6, "minute": 57}
